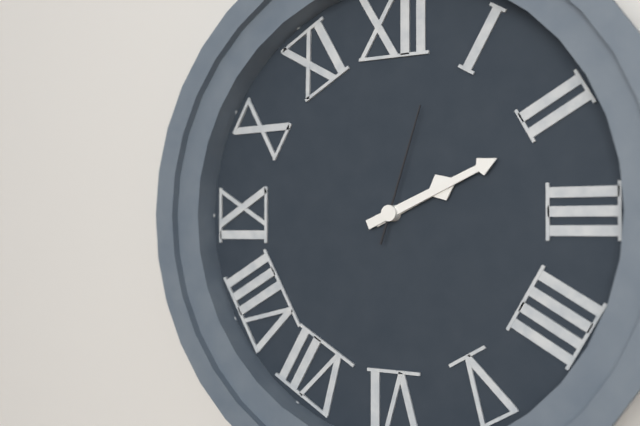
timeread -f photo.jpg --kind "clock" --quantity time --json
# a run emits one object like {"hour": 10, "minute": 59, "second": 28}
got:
{"hour": 2, "minute": 11, "second": 3}
